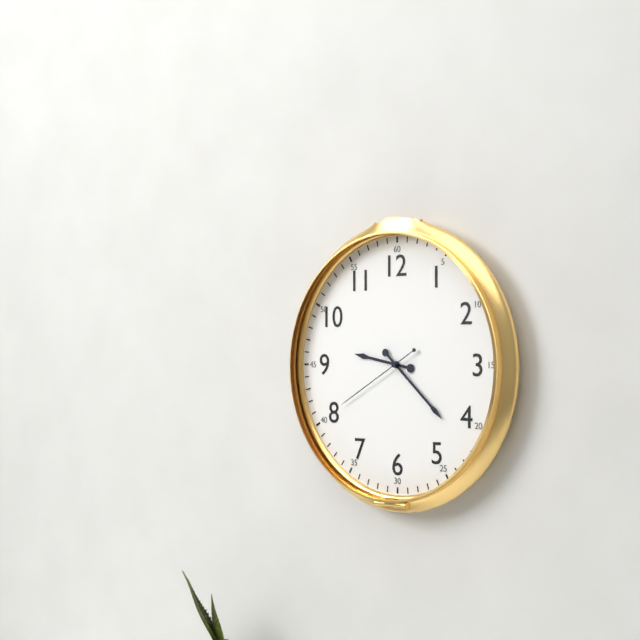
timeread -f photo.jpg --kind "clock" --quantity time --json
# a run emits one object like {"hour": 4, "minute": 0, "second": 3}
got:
{"hour": 9, "minute": 22, "second": 40}
